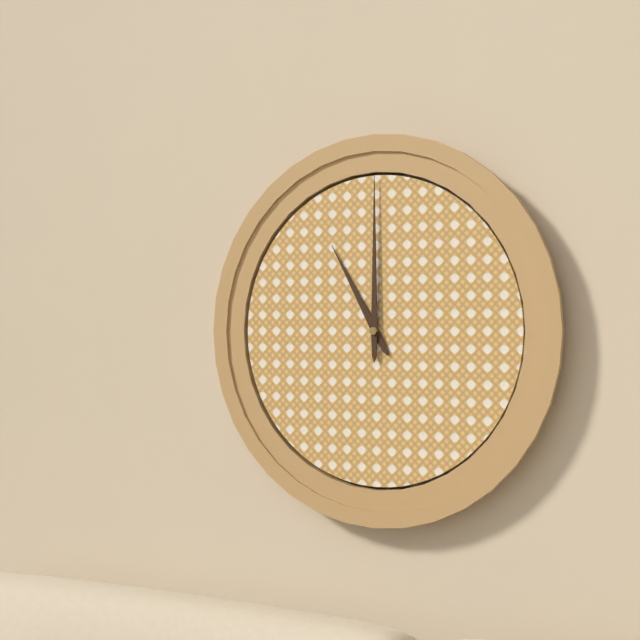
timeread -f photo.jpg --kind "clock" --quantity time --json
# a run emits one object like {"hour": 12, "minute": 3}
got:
{"hour": 11, "minute": 0}
